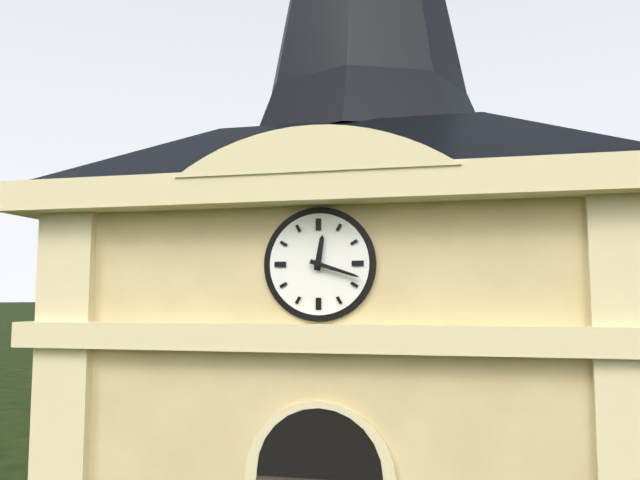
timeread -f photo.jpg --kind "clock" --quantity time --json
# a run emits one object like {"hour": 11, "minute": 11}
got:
{"hour": 12, "minute": 18}
